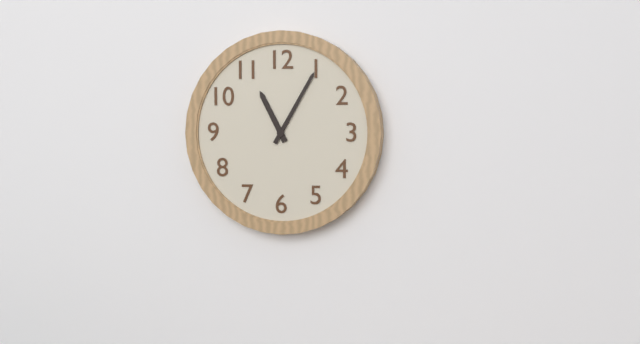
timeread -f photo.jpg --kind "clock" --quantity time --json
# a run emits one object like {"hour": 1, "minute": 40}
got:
{"hour": 11, "minute": 5}
